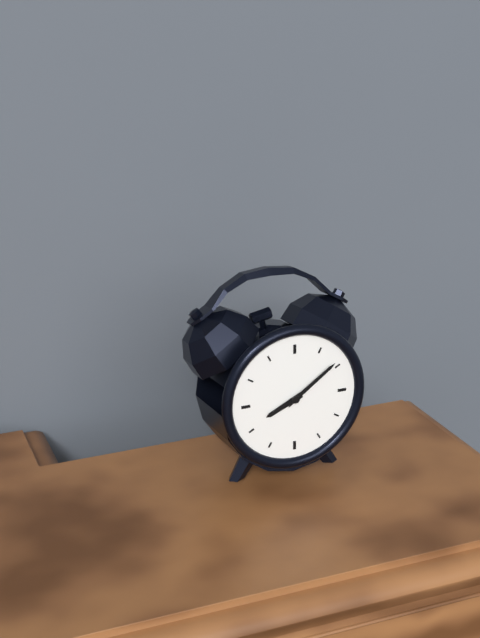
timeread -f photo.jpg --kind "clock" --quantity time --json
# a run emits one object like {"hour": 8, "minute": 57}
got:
{"hour": 8, "minute": 9}
